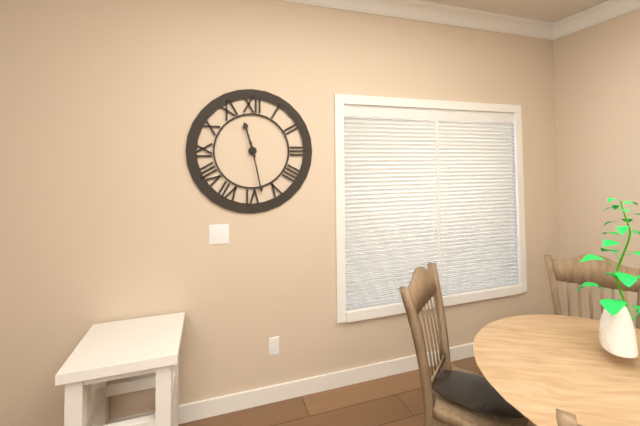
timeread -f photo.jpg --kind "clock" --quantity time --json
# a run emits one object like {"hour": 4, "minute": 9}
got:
{"hour": 11, "minute": 28}
